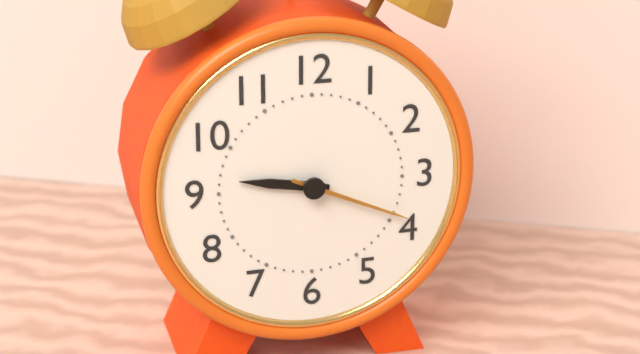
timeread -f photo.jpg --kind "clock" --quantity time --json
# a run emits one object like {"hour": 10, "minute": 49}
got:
{"hour": 9, "minute": 19}
